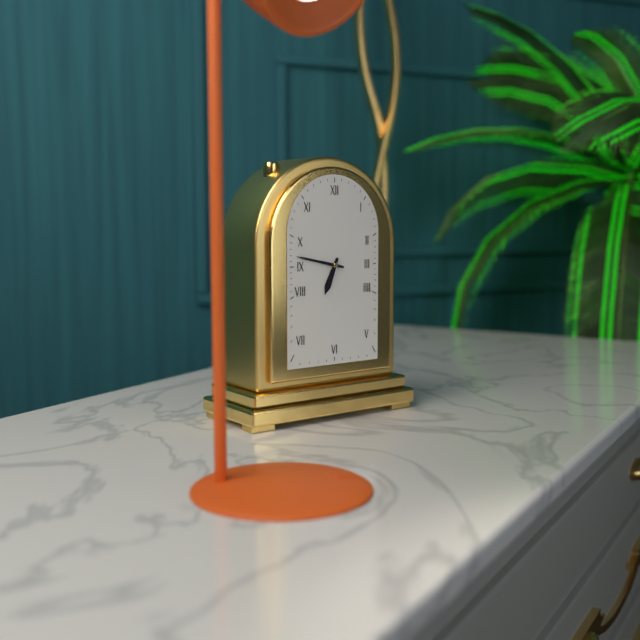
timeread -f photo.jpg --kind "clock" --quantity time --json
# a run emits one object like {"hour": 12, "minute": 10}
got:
{"hour": 6, "minute": 47}
